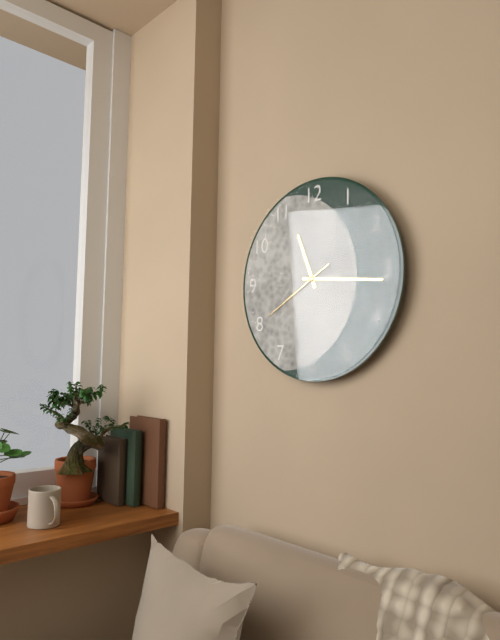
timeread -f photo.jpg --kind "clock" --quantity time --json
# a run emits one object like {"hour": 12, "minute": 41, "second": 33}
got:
{"hour": 11, "minute": 16, "second": 40}
